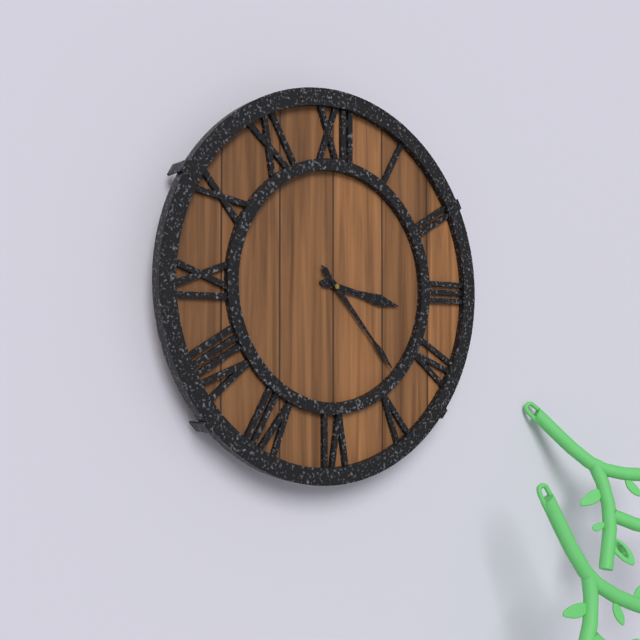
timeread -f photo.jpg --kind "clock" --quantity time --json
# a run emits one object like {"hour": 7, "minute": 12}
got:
{"hour": 3, "minute": 23}
